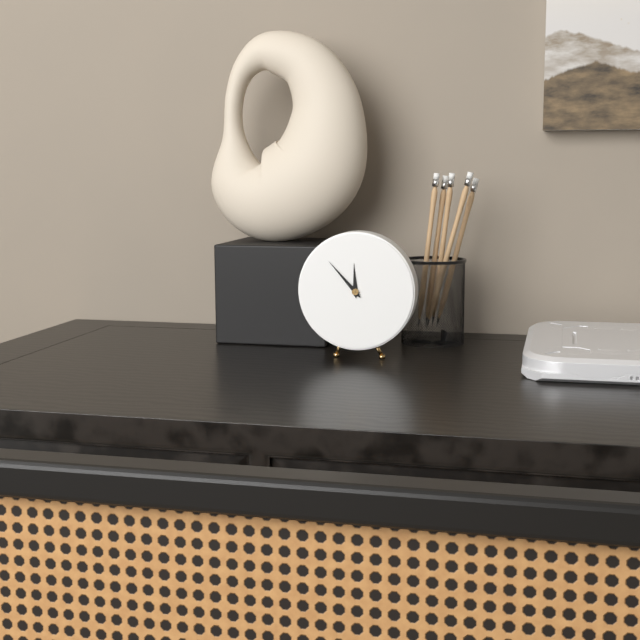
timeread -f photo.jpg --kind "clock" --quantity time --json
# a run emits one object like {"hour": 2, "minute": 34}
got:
{"hour": 11, "minute": 53}
